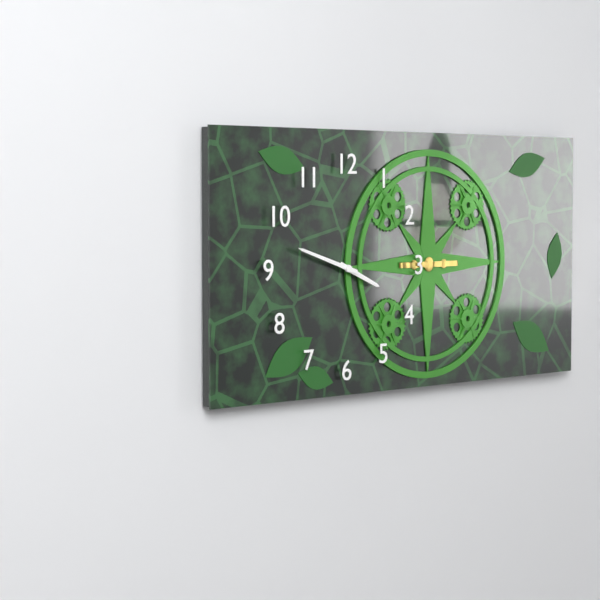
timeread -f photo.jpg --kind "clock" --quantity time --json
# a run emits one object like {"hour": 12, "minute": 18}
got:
{"hour": 3, "minute": 48}
